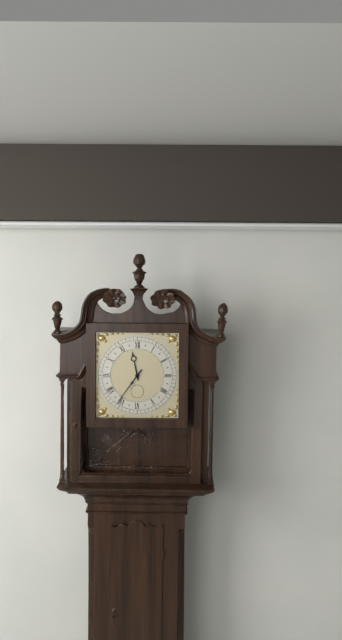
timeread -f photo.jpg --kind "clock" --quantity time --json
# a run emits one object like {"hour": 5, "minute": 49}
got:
{"hour": 11, "minute": 36}
